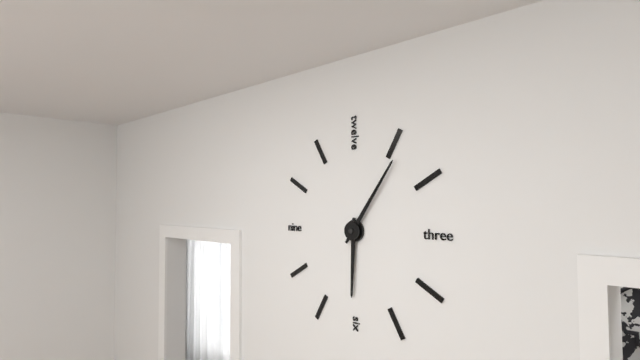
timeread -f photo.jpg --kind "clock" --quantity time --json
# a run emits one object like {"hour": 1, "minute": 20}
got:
{"hour": 6, "minute": 6}
